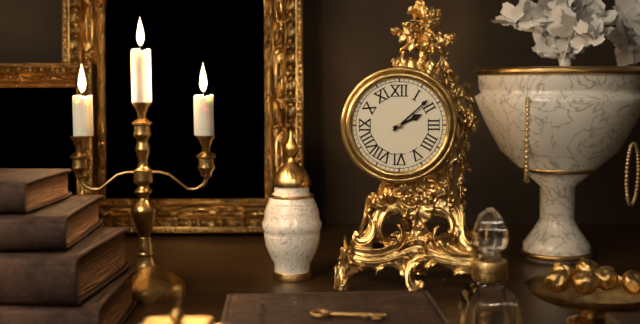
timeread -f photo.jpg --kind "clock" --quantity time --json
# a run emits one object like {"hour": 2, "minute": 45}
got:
{"hour": 2, "minute": 8}
